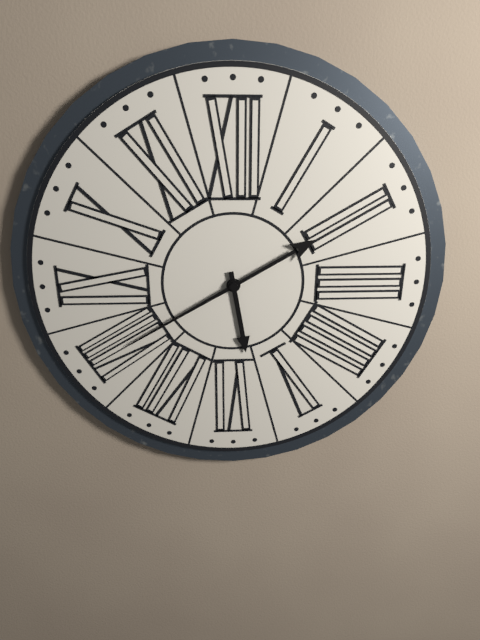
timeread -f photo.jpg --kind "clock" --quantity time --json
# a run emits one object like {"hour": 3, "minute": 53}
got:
{"hour": 5, "minute": 40}
